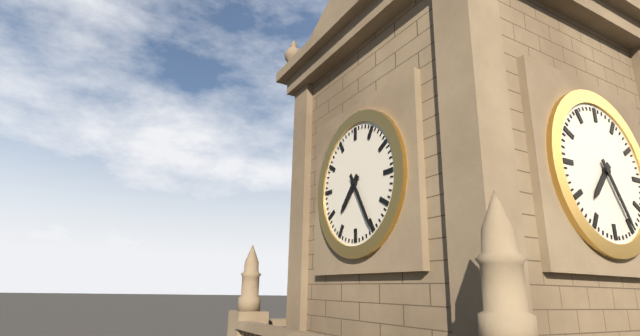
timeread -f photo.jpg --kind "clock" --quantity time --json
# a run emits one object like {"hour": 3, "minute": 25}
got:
{"hour": 7, "minute": 25}
